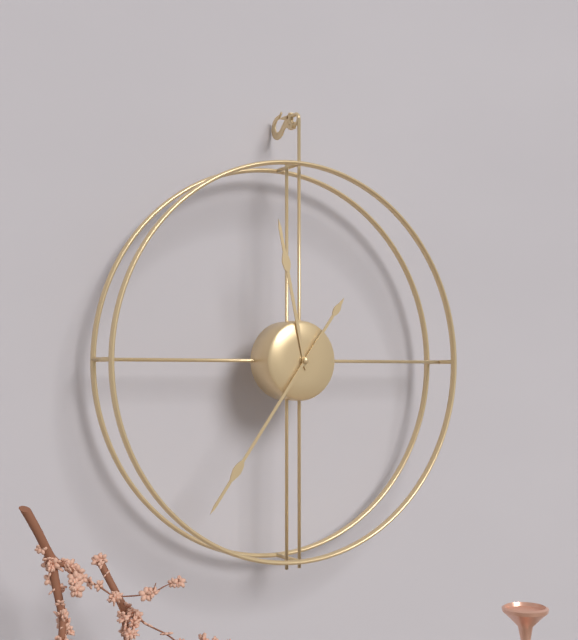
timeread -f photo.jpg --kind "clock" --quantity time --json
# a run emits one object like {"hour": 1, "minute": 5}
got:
{"hour": 11, "minute": 36}
